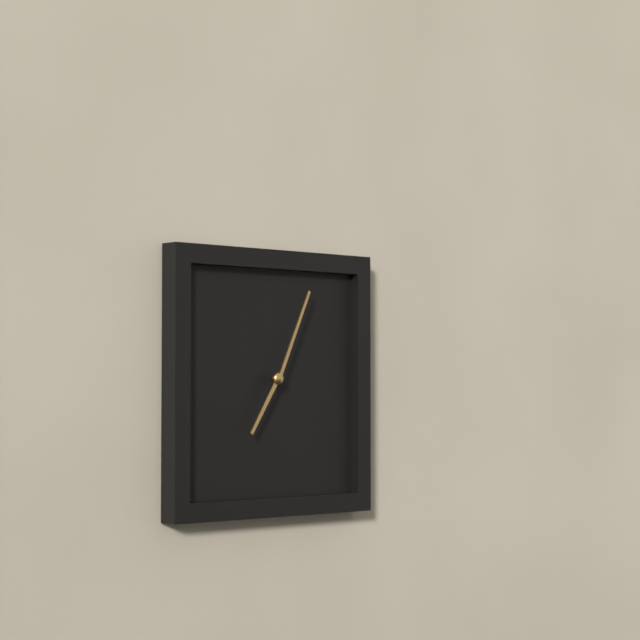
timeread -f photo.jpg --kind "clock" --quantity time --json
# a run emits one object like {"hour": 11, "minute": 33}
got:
{"hour": 7, "minute": 4}
